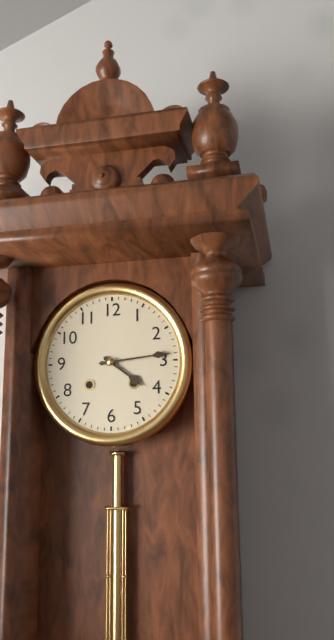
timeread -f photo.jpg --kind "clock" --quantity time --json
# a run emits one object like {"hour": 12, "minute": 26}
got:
{"hour": 4, "minute": 14}
